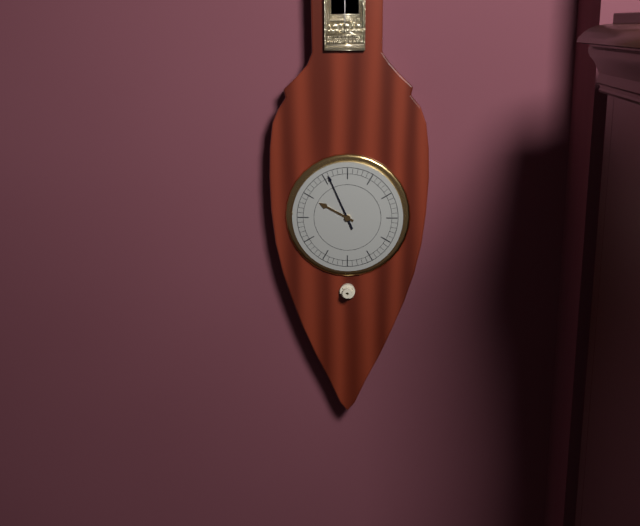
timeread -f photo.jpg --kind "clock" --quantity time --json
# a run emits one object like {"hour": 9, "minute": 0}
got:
{"hour": 9, "minute": 56}
